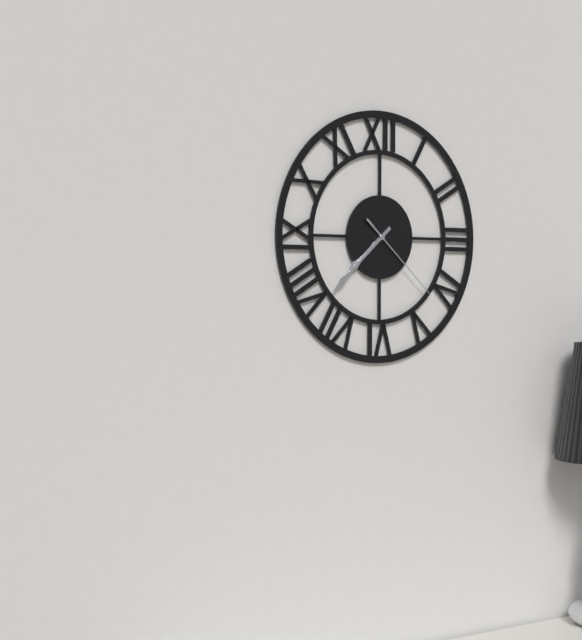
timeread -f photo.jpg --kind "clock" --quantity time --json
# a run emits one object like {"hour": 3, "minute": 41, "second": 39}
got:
{"hour": 7, "minute": 38, "second": 22}
